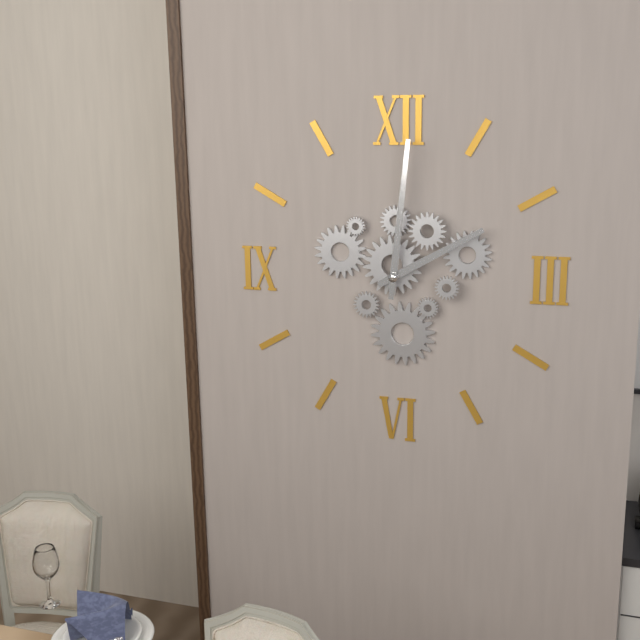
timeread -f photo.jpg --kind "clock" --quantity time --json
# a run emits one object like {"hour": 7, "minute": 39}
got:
{"hour": 2, "minute": 1}
